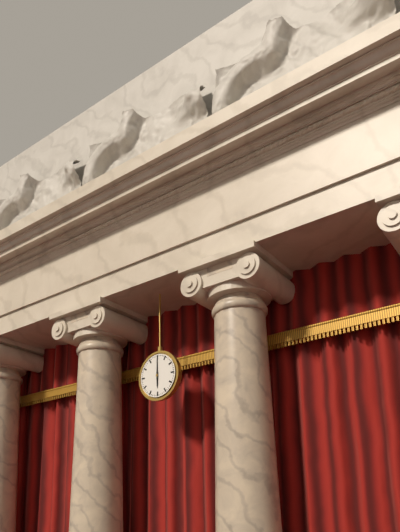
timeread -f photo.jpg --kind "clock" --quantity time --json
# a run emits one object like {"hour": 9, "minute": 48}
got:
{"hour": 6, "minute": 0}
